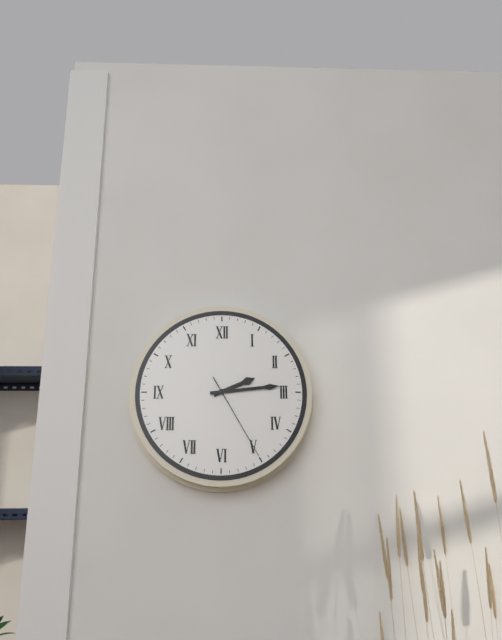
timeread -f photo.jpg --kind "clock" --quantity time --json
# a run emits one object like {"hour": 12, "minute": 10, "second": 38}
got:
{"hour": 2, "minute": 14, "second": 25}
